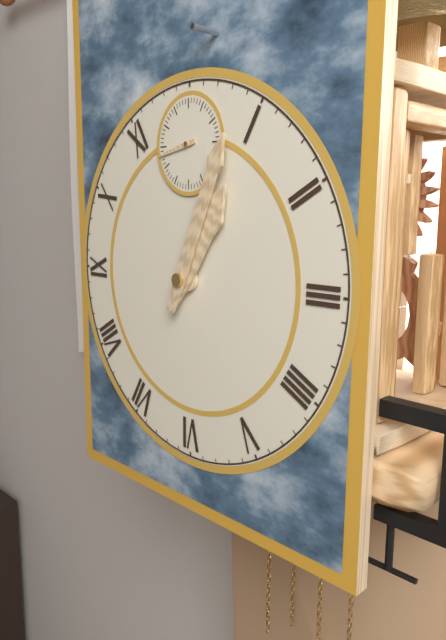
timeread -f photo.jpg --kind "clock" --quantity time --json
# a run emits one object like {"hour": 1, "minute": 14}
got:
{"hour": 1, "minute": 4}
